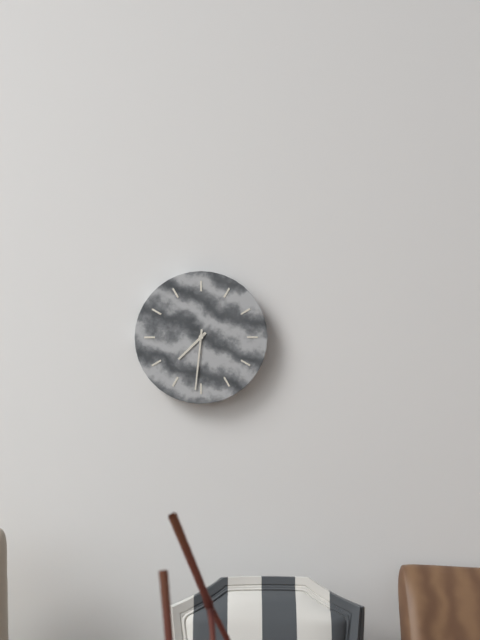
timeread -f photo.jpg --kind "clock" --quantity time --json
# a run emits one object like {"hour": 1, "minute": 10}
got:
{"hour": 7, "minute": 31}
